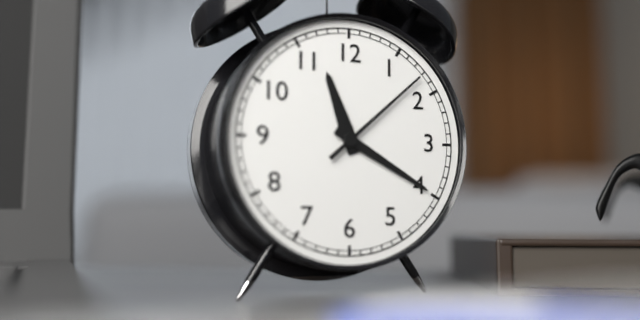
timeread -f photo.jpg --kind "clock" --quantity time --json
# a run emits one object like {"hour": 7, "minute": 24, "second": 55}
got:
{"hour": 11, "minute": 20, "second": 8}
